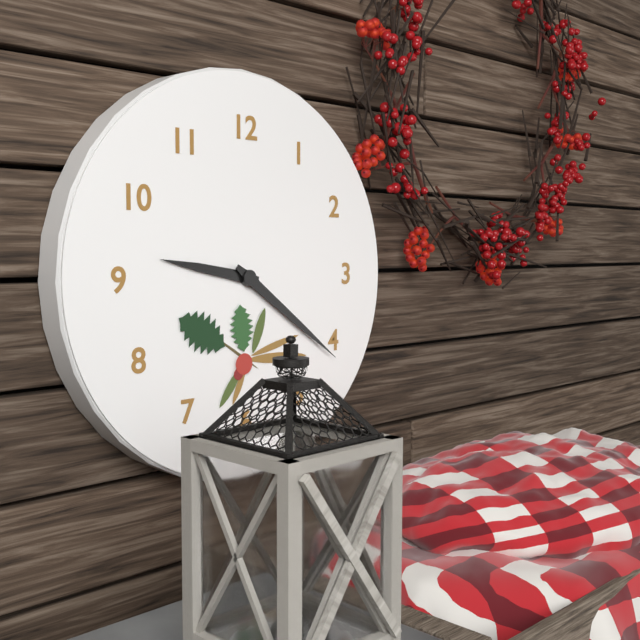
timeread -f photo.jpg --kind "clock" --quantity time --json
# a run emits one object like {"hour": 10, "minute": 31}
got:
{"hour": 9, "minute": 21}
